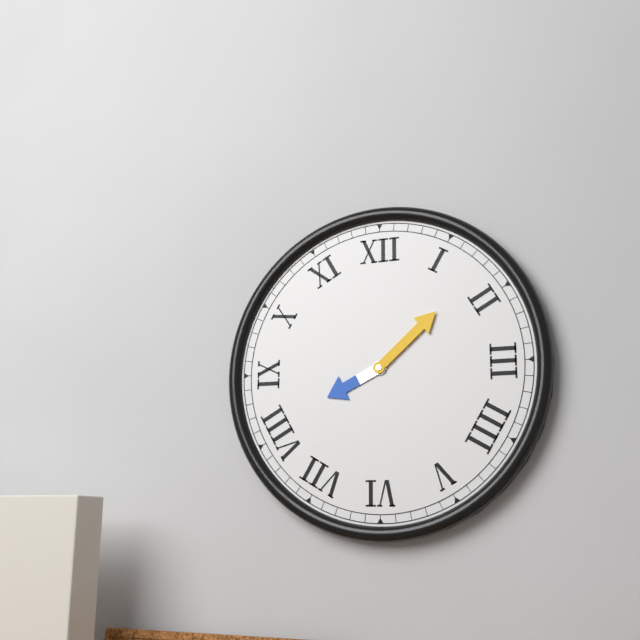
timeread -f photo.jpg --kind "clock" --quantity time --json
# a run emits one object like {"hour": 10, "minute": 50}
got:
{"hour": 8, "minute": 8}
